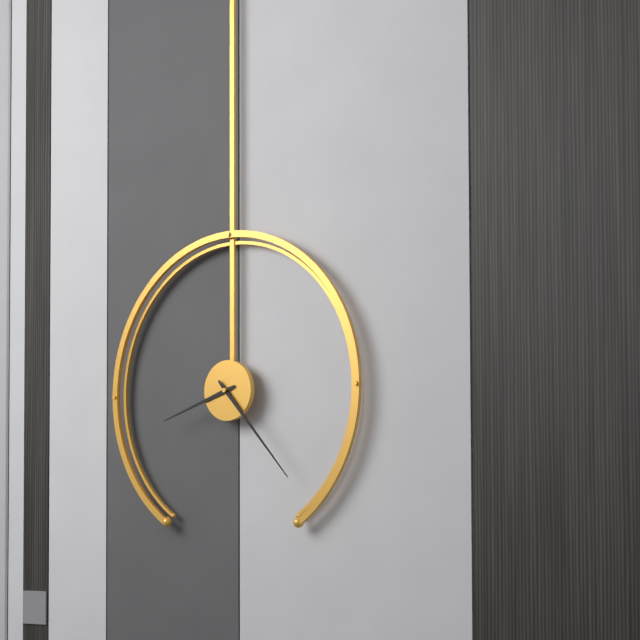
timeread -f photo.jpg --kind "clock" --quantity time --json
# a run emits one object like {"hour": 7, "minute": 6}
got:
{"hour": 8, "minute": 23}
